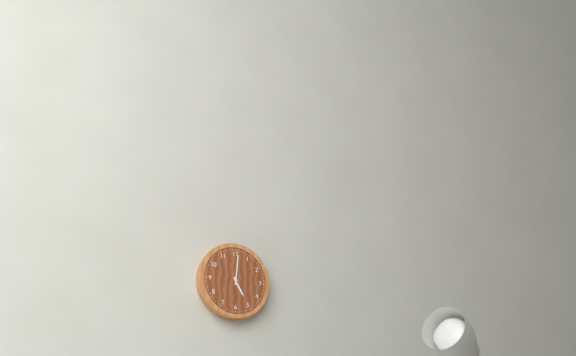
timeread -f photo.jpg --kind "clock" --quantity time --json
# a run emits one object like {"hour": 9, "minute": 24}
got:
{"hour": 5, "minute": 1}
